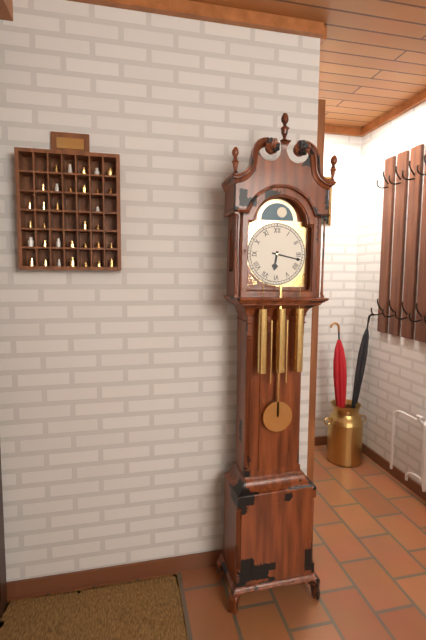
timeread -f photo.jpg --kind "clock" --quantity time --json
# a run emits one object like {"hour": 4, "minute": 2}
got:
{"hour": 6, "minute": 17}
